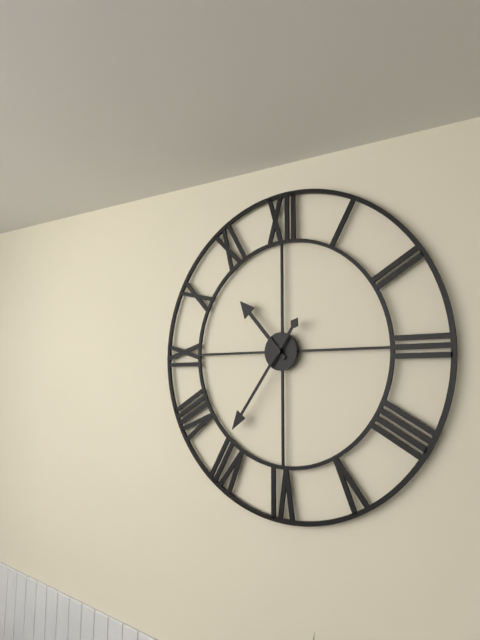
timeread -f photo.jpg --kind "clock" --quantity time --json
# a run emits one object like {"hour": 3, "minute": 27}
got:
{"hour": 10, "minute": 36}
